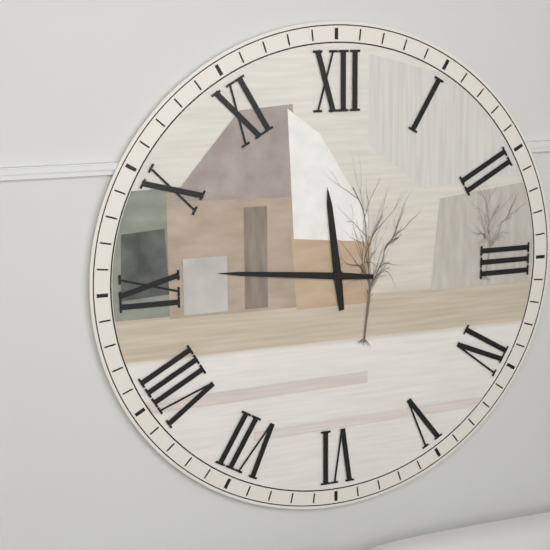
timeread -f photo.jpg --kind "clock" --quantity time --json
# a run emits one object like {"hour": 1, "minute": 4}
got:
{"hour": 11, "minute": 46}
